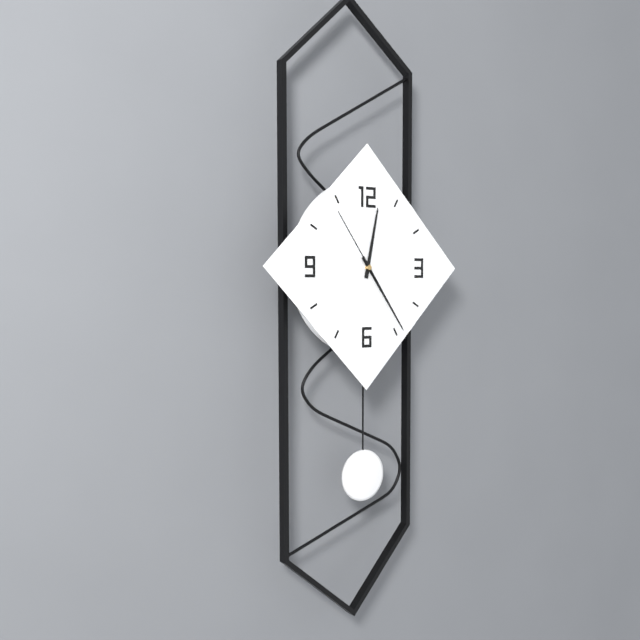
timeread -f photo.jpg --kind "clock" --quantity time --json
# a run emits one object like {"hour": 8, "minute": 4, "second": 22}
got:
{"hour": 12, "minute": 24, "second": 54}
